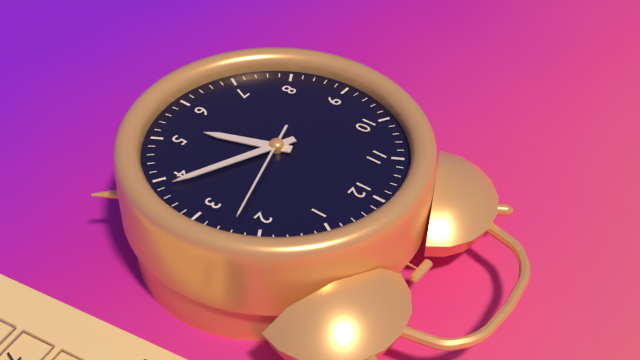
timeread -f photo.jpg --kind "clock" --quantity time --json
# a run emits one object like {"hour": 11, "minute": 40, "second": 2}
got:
{"hour": 5, "minute": 19, "second": 12}
